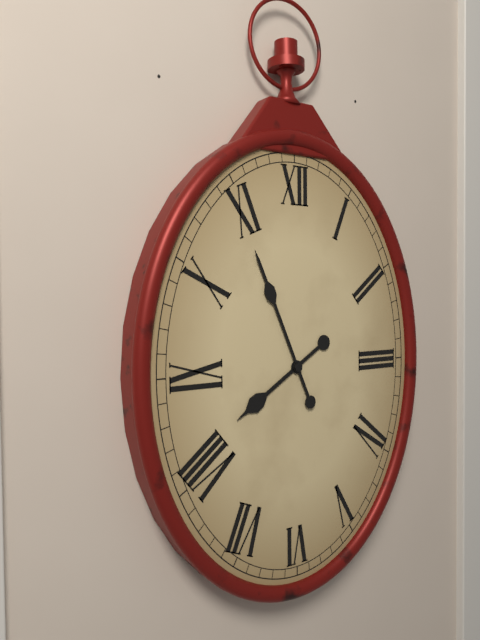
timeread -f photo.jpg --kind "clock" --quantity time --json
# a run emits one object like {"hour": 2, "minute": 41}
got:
{"hour": 7, "minute": 56}
